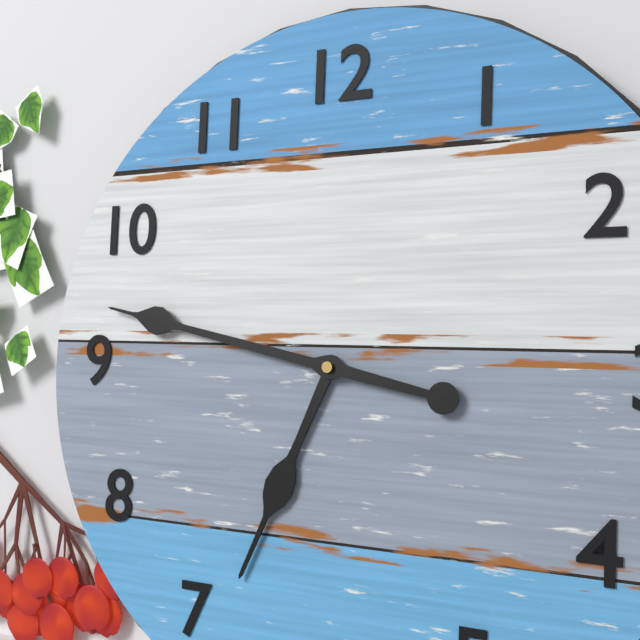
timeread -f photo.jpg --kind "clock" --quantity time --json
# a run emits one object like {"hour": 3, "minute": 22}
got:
{"hour": 6, "minute": 47}
